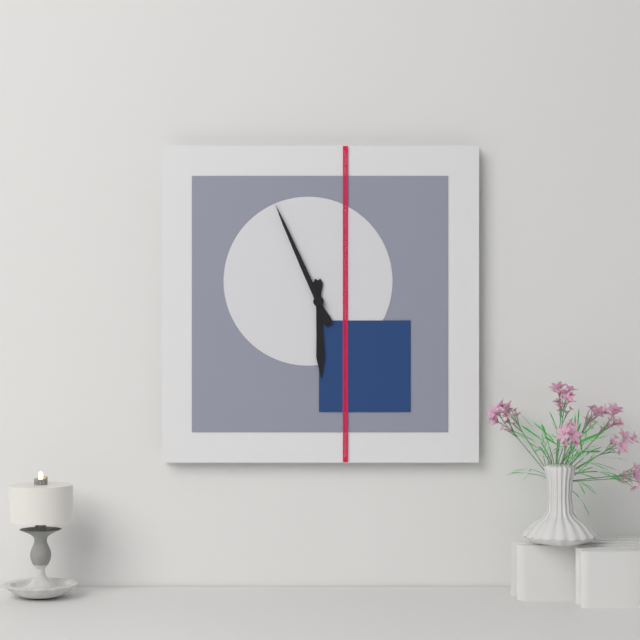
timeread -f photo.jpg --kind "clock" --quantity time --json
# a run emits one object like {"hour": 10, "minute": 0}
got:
{"hour": 5, "minute": 56}
